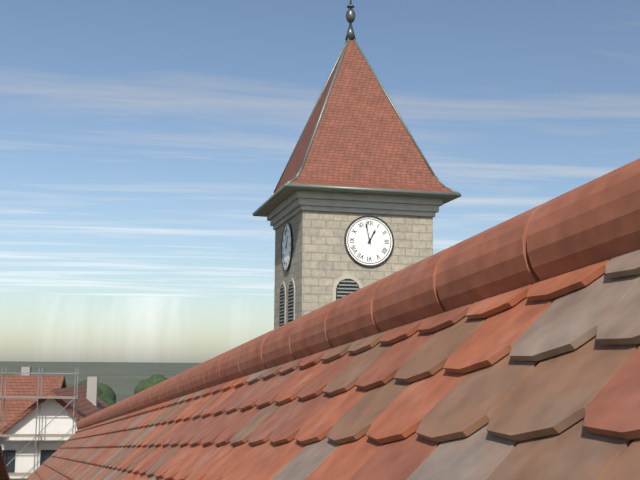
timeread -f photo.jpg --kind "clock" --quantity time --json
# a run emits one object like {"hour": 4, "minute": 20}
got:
{"hour": 12, "minute": 58}
